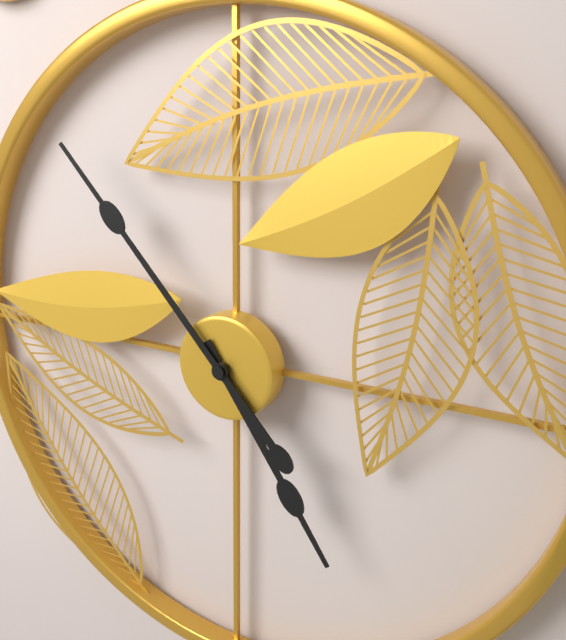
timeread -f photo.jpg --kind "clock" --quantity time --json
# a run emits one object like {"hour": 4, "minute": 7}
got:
{"hour": 4, "minute": 53}
